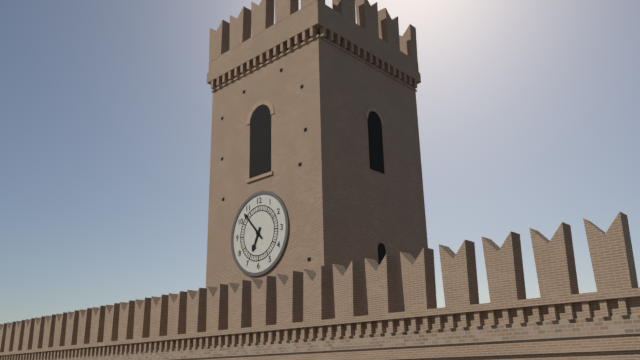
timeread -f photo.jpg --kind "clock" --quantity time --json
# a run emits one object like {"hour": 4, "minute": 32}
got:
{"hour": 6, "minute": 53}
